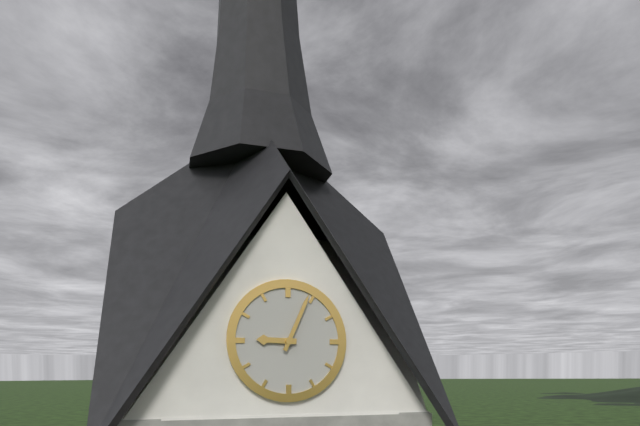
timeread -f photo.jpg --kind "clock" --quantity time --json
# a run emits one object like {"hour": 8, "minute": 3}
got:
{"hour": 9, "minute": 4}
